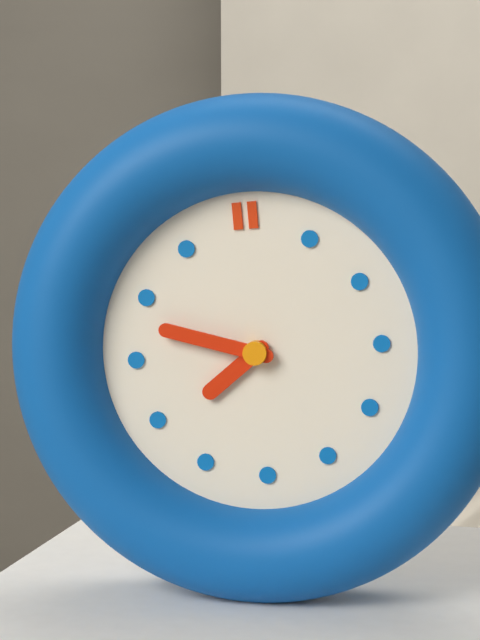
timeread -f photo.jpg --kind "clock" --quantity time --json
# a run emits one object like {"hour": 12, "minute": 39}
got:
{"hour": 7, "minute": 48}
